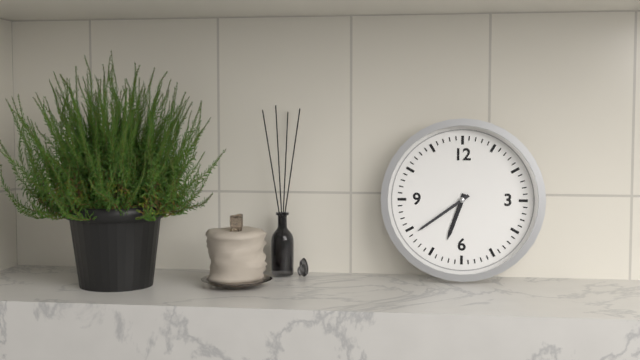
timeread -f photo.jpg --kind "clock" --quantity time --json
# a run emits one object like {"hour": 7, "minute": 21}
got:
{"hour": 6, "minute": 39}
